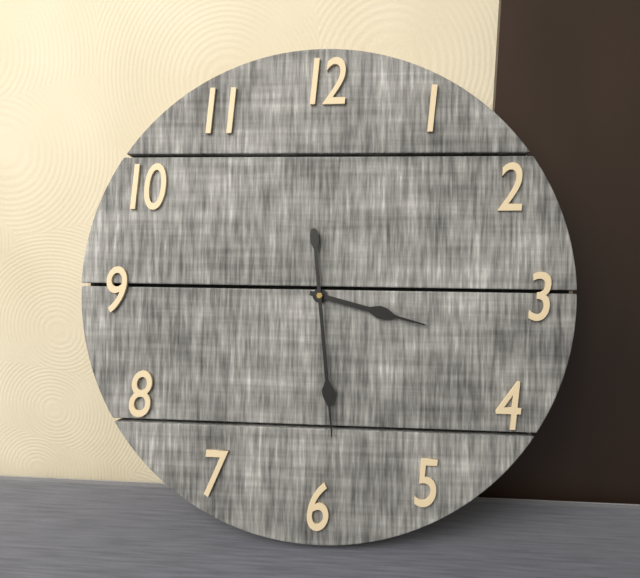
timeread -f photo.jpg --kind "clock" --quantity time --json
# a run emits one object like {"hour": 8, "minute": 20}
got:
{"hour": 3, "minute": 29}
